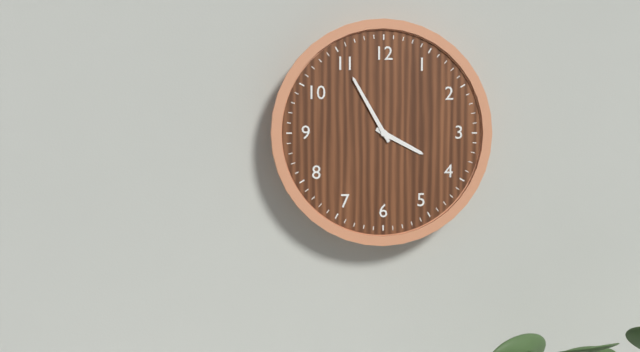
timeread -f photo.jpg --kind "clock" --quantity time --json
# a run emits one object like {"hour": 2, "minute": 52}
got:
{"hour": 3, "minute": 55}
